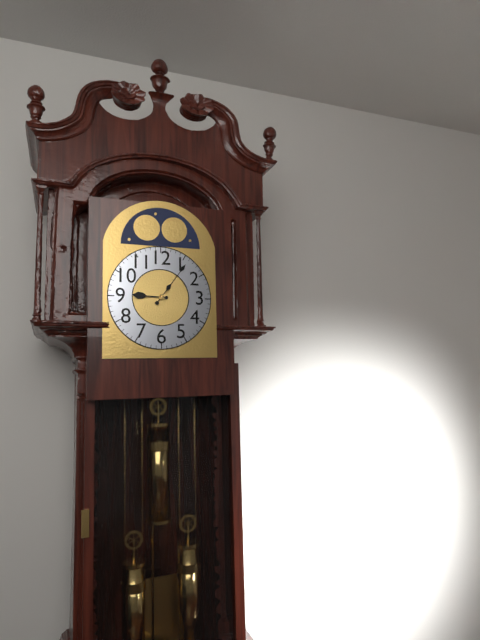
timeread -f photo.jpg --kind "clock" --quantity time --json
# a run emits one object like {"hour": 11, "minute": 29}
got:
{"hour": 9, "minute": 6}
